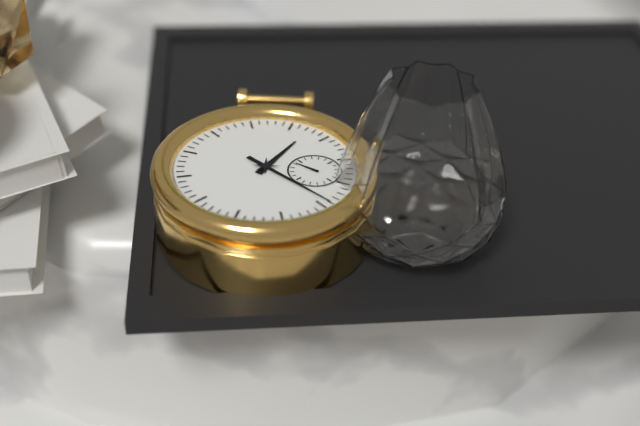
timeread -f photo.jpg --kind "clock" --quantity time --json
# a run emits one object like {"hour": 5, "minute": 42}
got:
{"hour": 2, "minute": 29}
